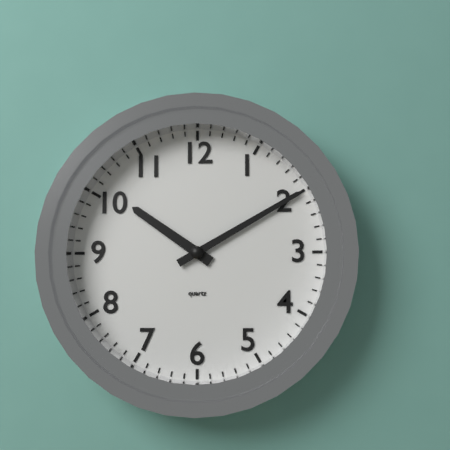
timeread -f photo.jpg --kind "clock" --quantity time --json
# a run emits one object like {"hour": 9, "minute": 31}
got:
{"hour": 10, "minute": 10}
